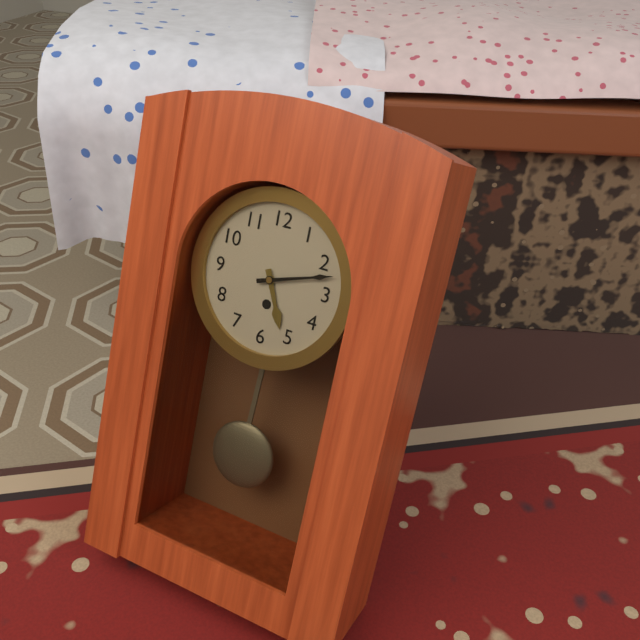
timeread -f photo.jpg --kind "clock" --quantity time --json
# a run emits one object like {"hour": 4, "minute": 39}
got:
{"hour": 5, "minute": 12}
